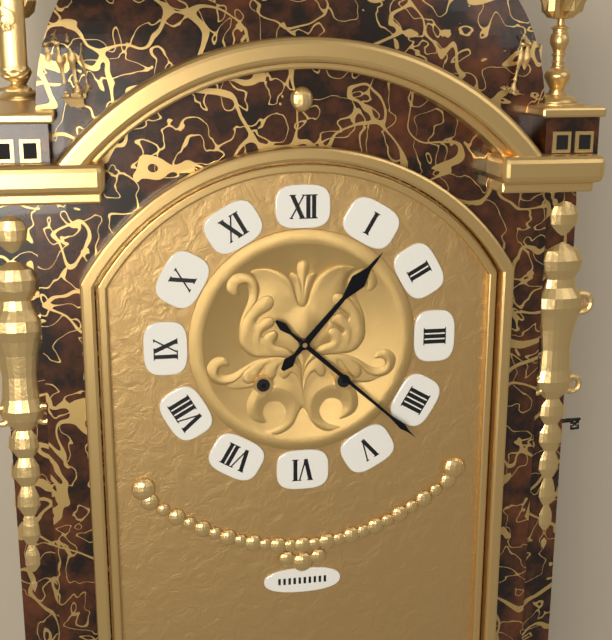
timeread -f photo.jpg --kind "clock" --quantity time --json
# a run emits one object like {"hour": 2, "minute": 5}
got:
{"hour": 1, "minute": 22}
